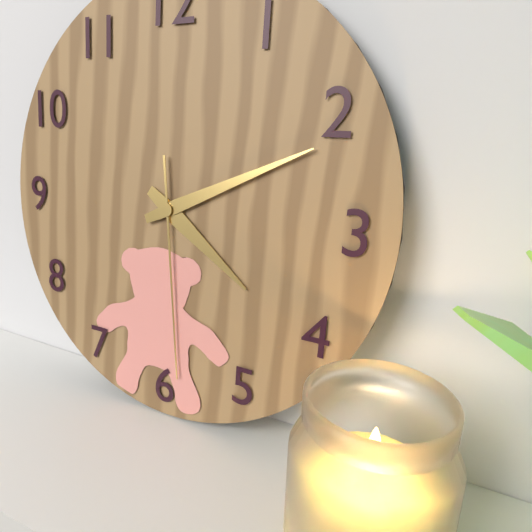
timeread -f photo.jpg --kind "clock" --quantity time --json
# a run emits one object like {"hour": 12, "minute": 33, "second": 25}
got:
{"hour": 4, "minute": 11, "second": 29}
